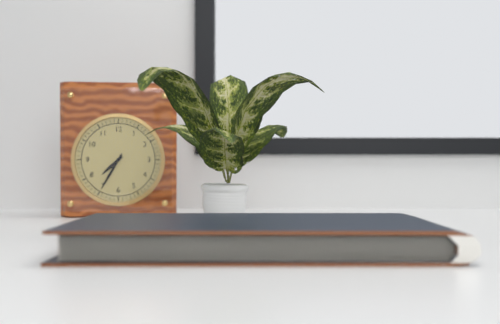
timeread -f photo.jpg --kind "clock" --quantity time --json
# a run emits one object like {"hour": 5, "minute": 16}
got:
{"hour": 7, "minute": 35}
